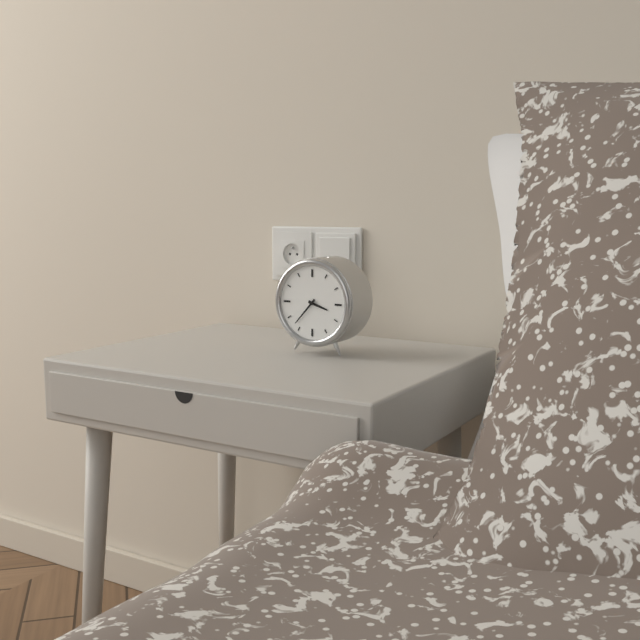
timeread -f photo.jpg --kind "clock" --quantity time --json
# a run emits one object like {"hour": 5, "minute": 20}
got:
{"hour": 3, "minute": 37}
